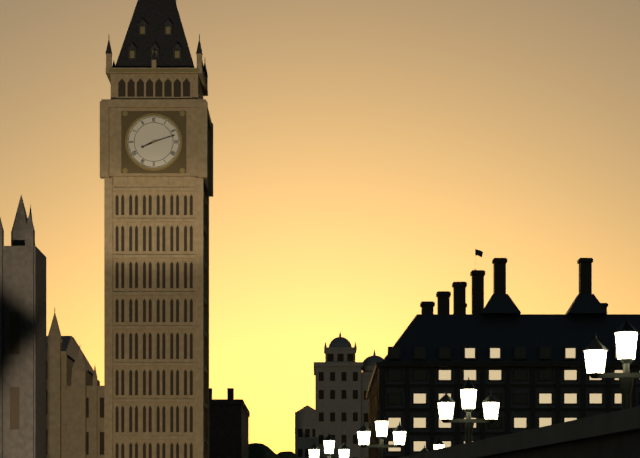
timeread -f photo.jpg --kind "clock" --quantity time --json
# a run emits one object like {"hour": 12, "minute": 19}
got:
{"hour": 8, "minute": 12}
